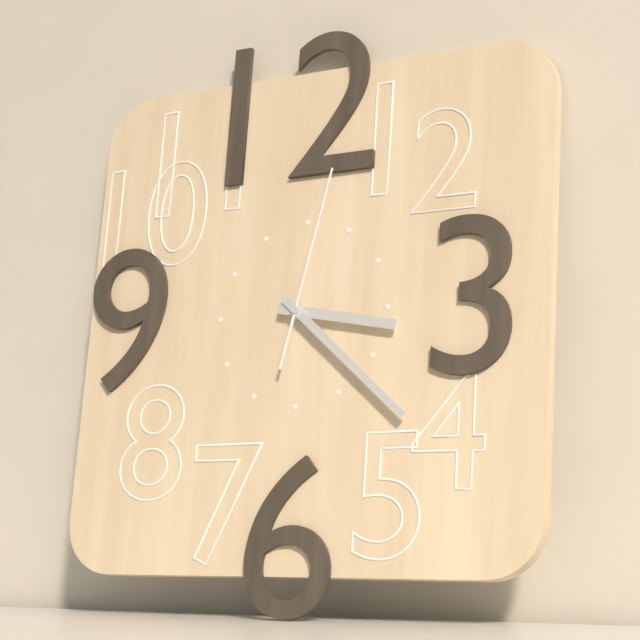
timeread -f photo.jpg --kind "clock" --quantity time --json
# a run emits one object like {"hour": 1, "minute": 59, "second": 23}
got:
{"hour": 3, "minute": 22, "second": 2}
